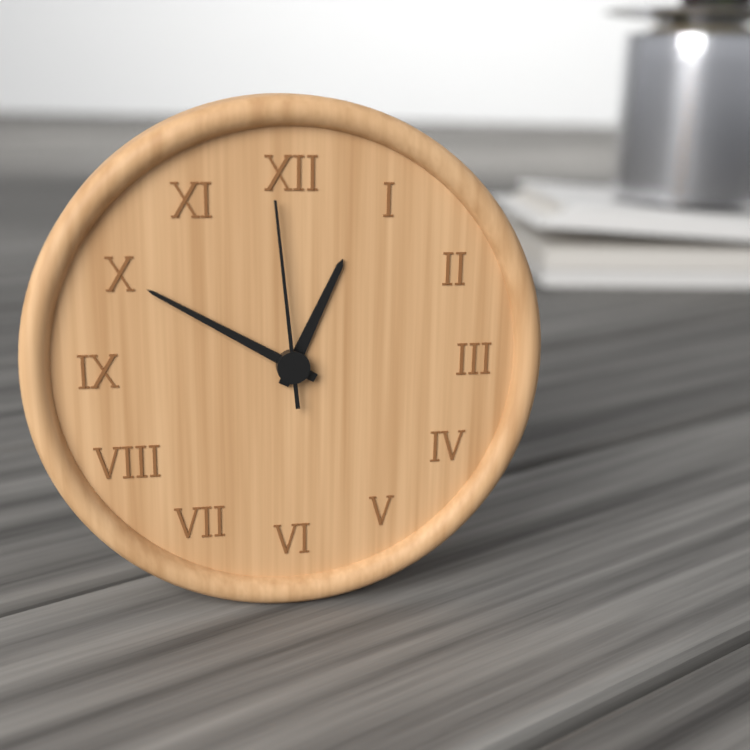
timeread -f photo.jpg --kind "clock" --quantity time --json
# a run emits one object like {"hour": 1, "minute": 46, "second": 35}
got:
{"hour": 12, "minute": 50, "second": 59}
